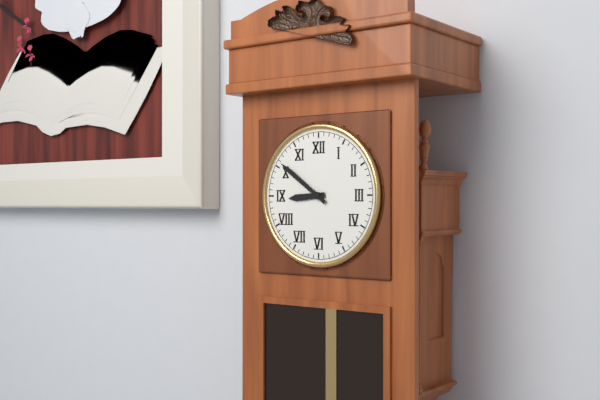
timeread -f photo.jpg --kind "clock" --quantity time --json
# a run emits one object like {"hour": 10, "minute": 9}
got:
{"hour": 8, "minute": 51}
